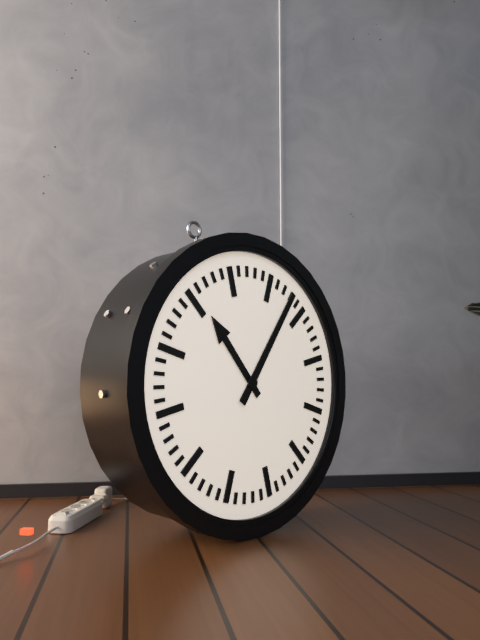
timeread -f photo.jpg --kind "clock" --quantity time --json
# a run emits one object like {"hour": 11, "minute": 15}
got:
{"hour": 11, "minute": 8}
